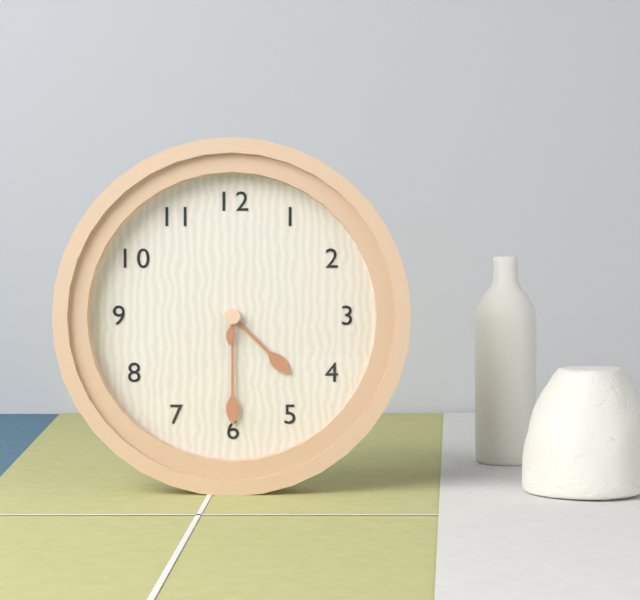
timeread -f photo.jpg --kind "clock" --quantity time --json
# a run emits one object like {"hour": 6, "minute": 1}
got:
{"hour": 4, "minute": 30}
